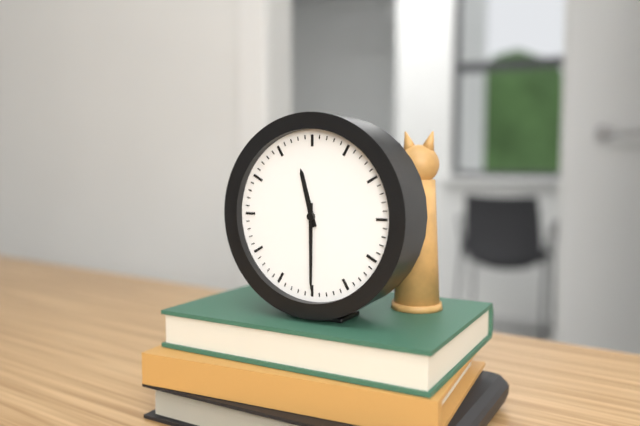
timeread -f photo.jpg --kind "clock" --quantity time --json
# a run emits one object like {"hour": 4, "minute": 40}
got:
{"hour": 11, "minute": 30}
